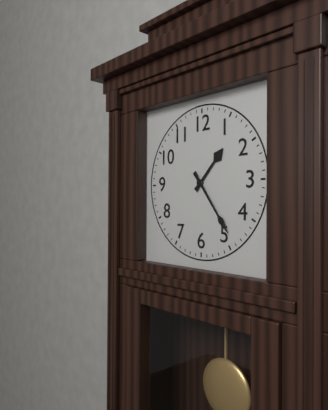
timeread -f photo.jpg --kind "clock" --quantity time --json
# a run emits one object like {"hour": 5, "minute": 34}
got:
{"hour": 1, "minute": 24}
